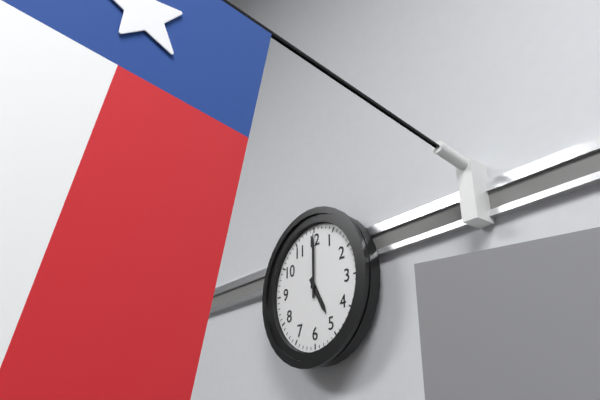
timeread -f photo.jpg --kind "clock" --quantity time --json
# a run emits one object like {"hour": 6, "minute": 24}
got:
{"hour": 5, "minute": 0}
